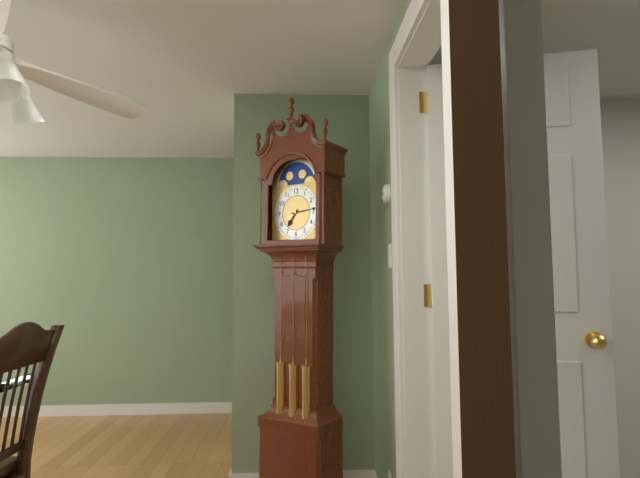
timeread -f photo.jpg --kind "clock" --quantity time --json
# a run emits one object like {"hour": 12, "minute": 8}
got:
{"hour": 7, "minute": 14}
